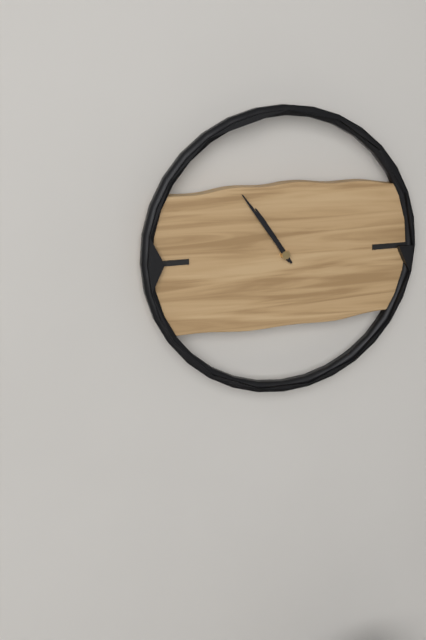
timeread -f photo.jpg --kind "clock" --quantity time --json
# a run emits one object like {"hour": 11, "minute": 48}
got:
{"hour": 10, "minute": 54}
